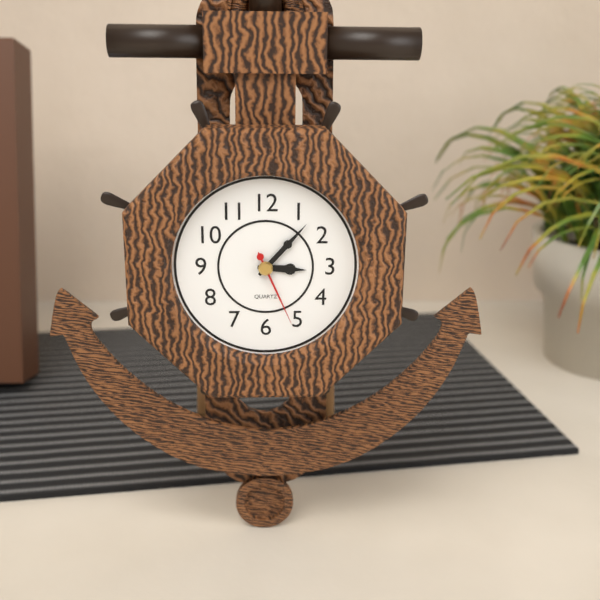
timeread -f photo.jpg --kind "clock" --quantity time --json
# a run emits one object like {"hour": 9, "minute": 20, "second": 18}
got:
{"hour": 3, "minute": 7, "second": 26}
